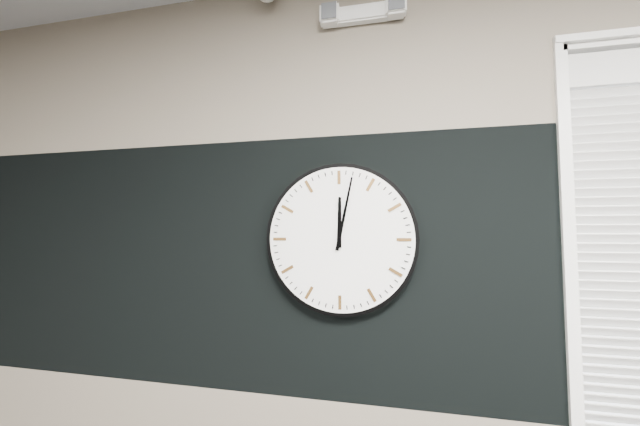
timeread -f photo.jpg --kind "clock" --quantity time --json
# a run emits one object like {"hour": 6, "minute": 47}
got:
{"hour": 12, "minute": 2}
